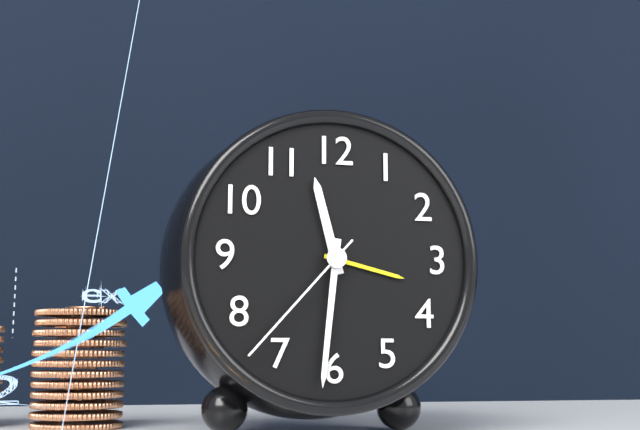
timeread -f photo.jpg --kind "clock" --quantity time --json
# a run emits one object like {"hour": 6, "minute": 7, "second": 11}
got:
{"hour": 11, "minute": 31, "second": 37}
